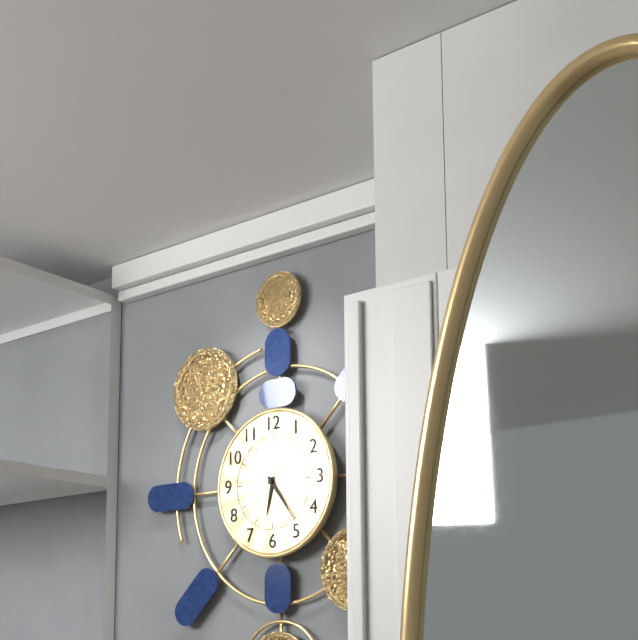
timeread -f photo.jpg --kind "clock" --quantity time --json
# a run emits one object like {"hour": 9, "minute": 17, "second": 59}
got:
{"hour": 6, "minute": 24, "second": 8}
